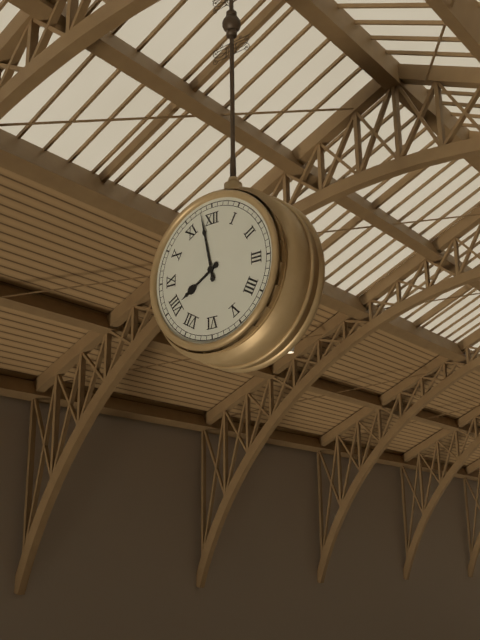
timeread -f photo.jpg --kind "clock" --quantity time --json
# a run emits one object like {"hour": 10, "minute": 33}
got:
{"hour": 7, "minute": 58}
